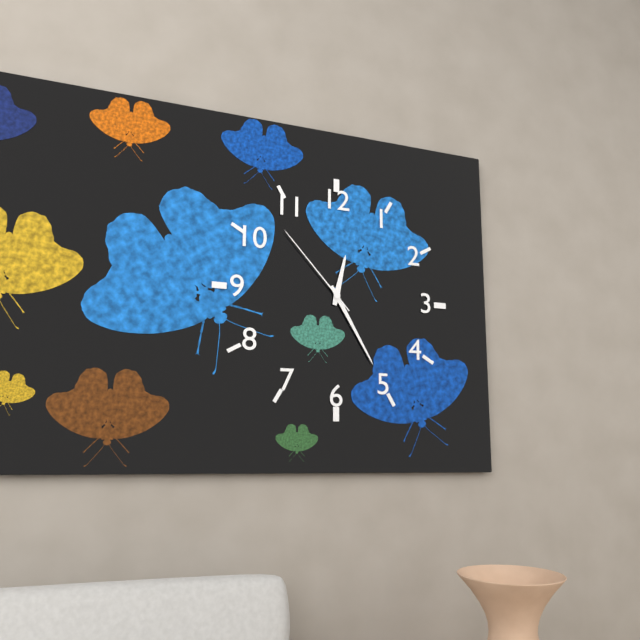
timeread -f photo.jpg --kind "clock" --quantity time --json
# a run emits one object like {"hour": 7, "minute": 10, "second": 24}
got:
{"hour": 12, "minute": 25, "second": 53}
